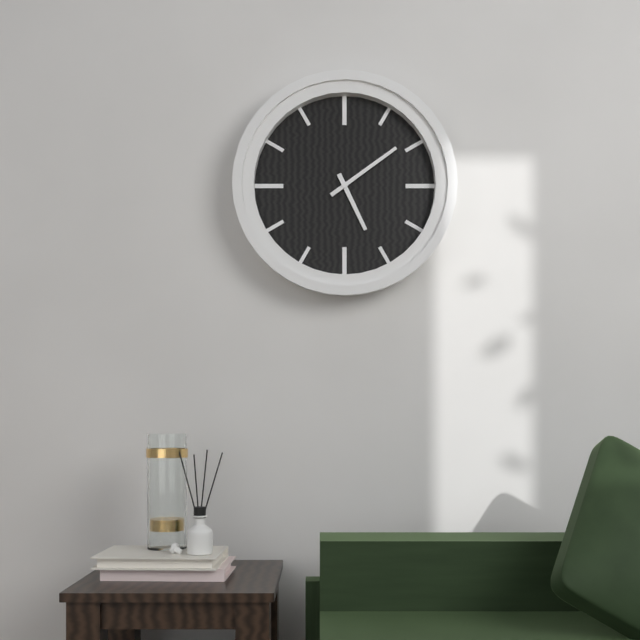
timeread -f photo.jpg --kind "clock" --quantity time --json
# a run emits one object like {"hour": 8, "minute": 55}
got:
{"hour": 5, "minute": 9}
